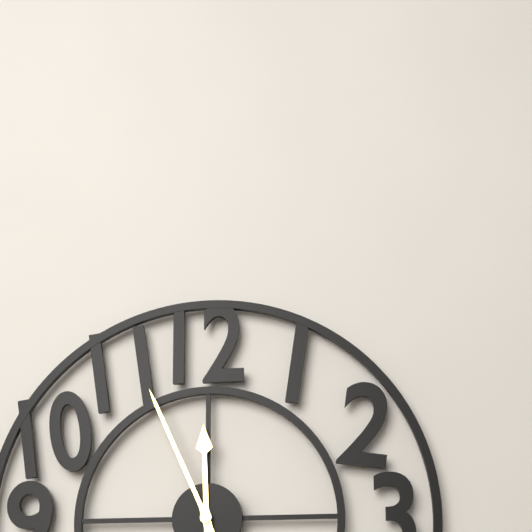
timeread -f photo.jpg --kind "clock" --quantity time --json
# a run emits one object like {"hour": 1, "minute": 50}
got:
{"hour": 11, "minute": 56}
